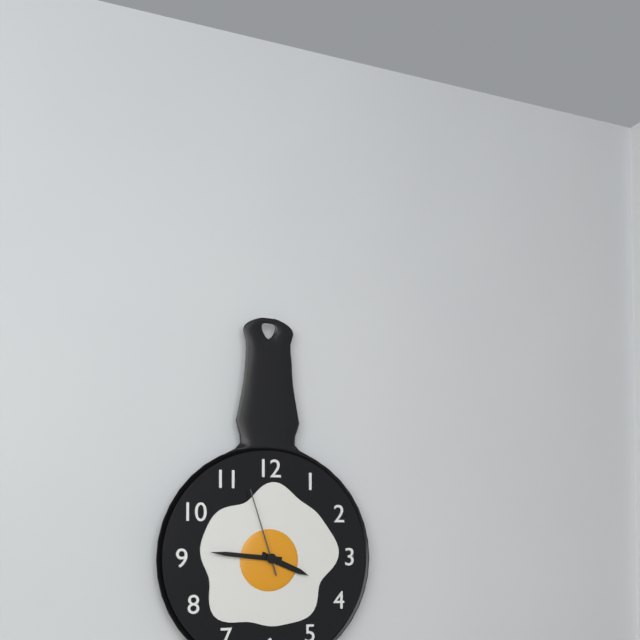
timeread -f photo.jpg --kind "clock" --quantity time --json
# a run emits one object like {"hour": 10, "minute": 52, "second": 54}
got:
{"hour": 3, "minute": 46, "second": 57}
